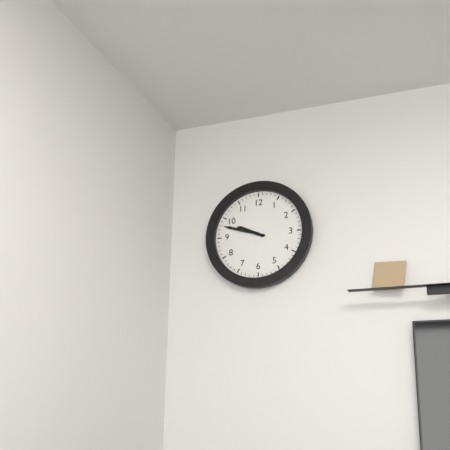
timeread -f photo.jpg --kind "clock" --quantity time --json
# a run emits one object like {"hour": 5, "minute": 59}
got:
{"hour": 9, "minute": 48}
